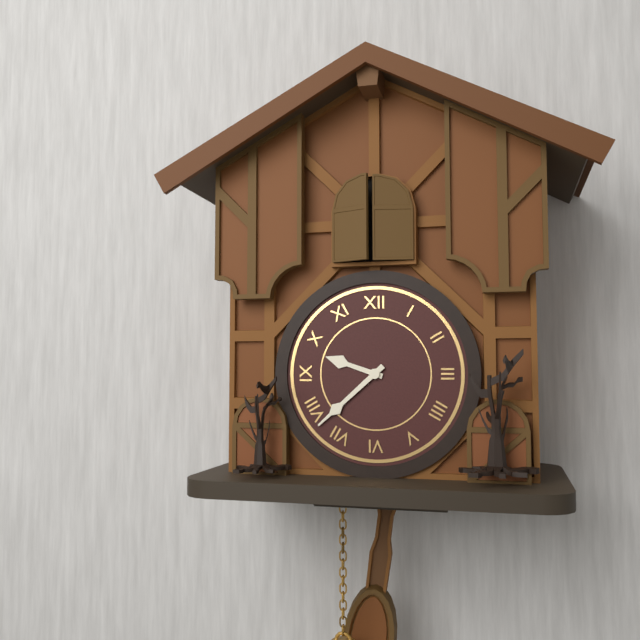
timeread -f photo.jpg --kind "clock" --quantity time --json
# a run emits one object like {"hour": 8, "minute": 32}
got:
{"hour": 9, "minute": 38}
